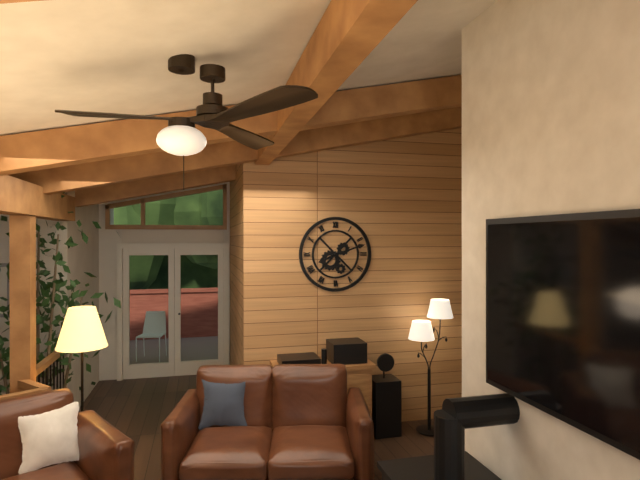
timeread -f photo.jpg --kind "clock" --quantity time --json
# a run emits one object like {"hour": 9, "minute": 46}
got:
{"hour": 8, "minute": 12}
